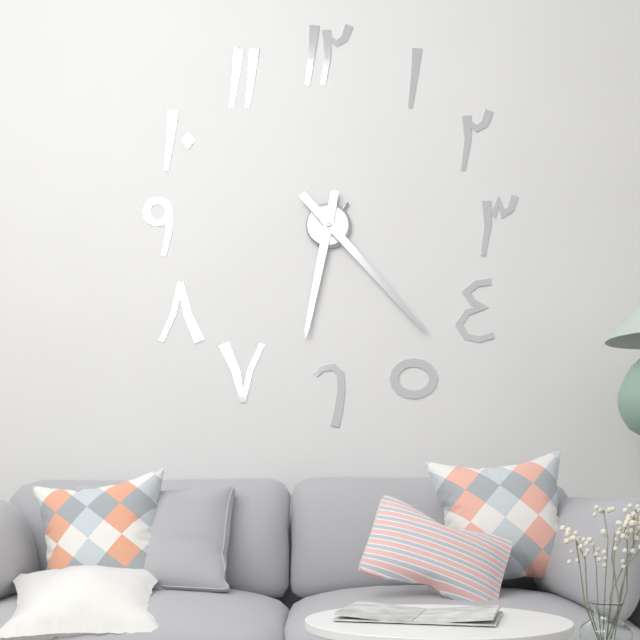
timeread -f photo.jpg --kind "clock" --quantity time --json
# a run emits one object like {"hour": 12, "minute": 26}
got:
{"hour": 6, "minute": 23}
